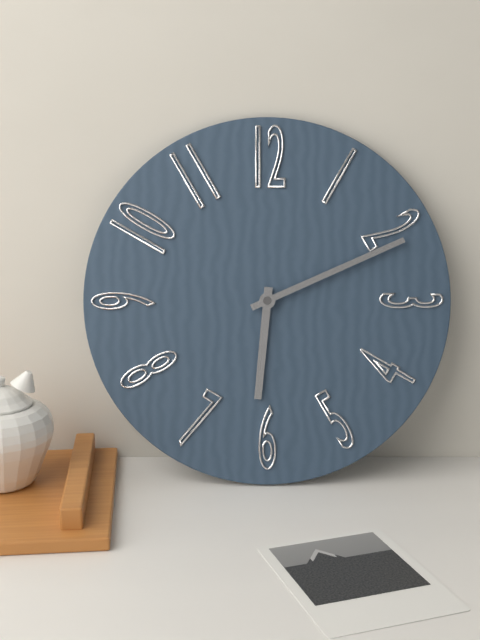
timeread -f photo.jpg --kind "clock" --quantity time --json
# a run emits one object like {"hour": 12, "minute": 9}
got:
{"hour": 6, "minute": 11}
